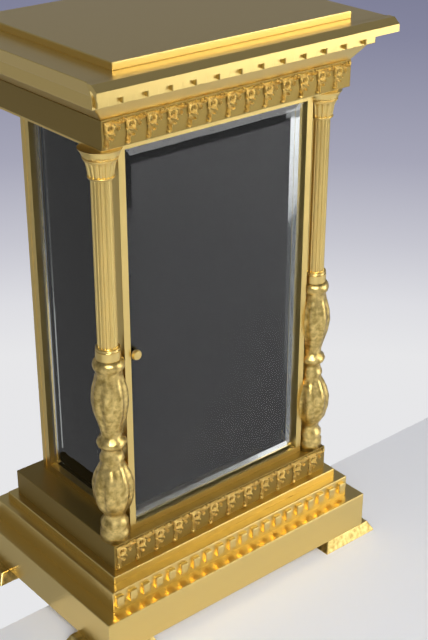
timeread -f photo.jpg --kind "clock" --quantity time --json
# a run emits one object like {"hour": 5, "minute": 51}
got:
{"hour": 8, "minute": 6}
